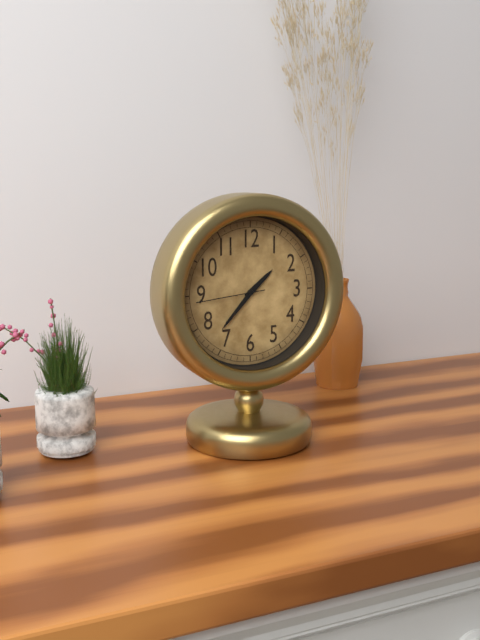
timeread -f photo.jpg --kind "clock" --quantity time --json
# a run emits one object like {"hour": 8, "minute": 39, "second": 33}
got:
{"hour": 1, "minute": 37, "second": 44}
